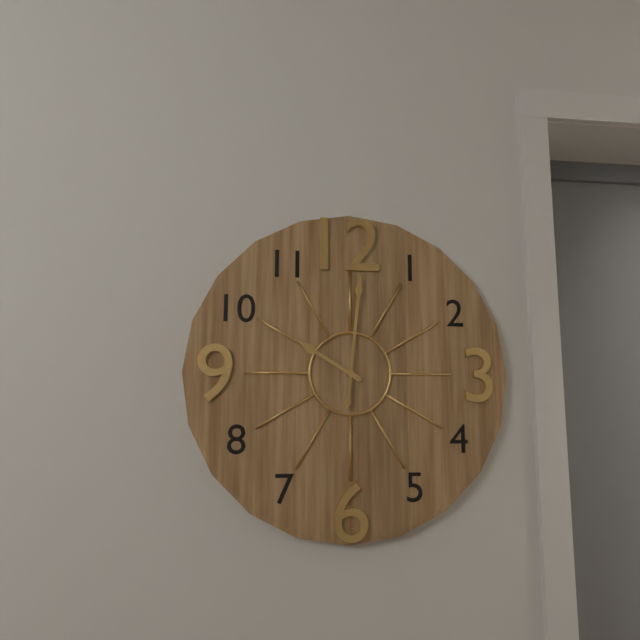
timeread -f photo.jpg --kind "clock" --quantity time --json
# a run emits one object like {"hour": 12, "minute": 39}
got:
{"hour": 10, "minute": 1}
